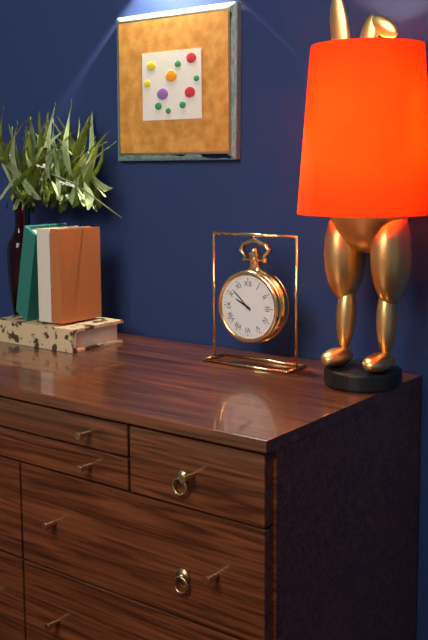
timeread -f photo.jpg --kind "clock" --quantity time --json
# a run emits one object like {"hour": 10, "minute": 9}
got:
{"hour": 9, "minute": 52}
